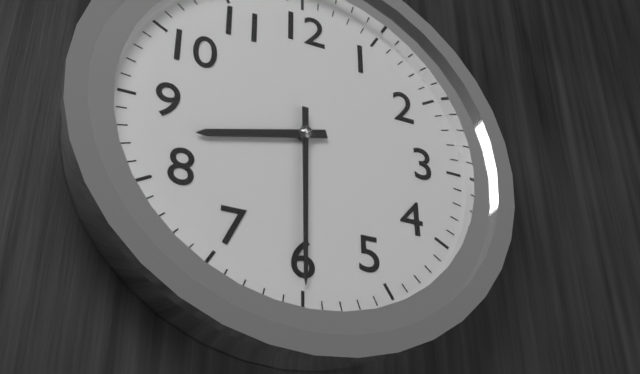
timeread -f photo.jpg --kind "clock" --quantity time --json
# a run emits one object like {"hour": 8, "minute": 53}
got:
{"hour": 8, "minute": 30}
